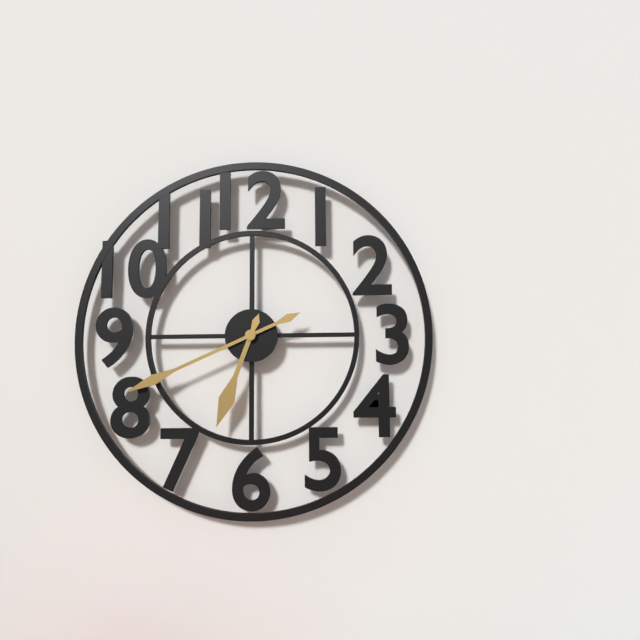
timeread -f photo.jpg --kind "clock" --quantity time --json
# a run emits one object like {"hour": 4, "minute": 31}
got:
{"hour": 6, "minute": 41}
